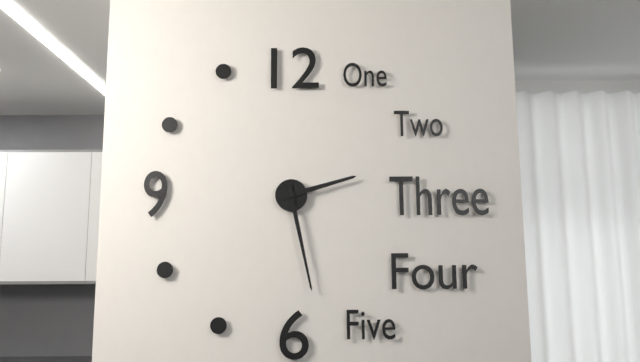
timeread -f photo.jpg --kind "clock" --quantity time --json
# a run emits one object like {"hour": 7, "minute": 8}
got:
{"hour": 2, "minute": 28}
